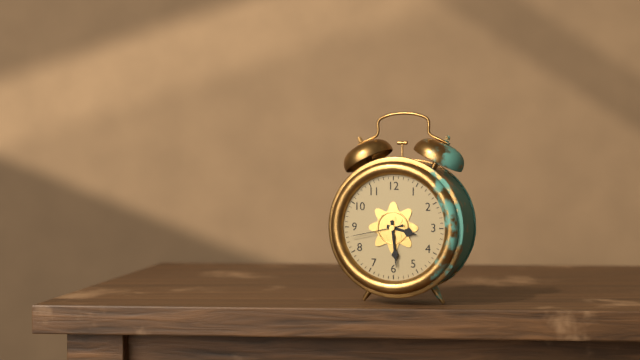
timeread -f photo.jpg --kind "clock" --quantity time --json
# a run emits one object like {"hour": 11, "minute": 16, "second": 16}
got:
{"hour": 3, "minute": 29, "second": 43}
